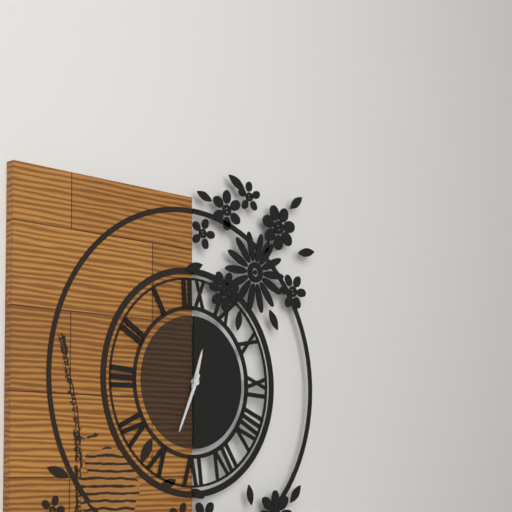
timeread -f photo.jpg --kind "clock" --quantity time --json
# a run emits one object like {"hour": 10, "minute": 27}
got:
{"hour": 12, "minute": 34}
